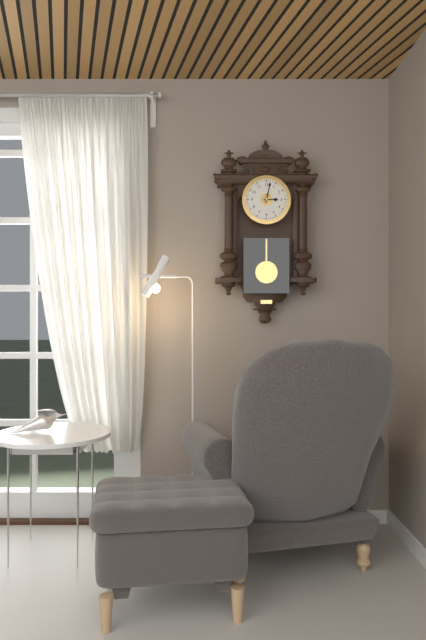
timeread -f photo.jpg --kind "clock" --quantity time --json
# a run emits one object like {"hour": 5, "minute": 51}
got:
{"hour": 3, "minute": 2}
